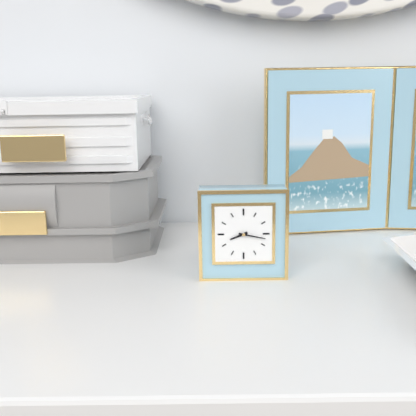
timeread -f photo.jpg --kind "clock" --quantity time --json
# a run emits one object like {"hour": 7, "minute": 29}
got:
{"hour": 8, "minute": 17}
